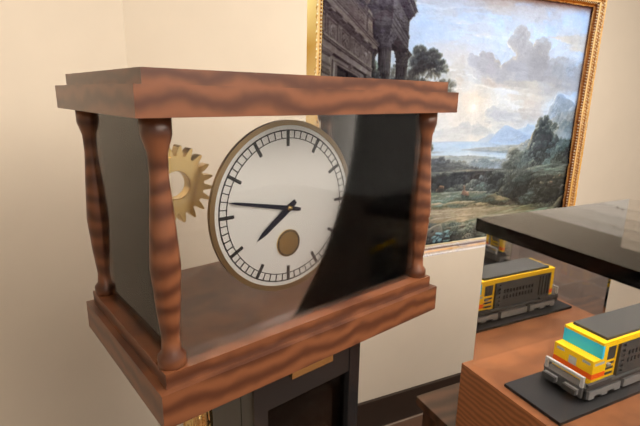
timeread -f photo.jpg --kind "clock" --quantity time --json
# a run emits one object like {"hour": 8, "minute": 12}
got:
{"hour": 7, "minute": 47}
